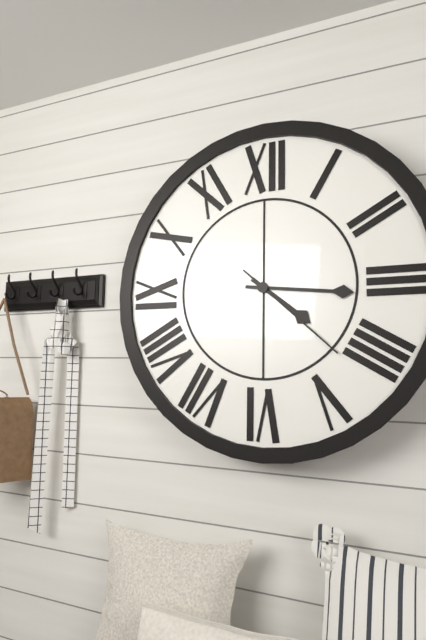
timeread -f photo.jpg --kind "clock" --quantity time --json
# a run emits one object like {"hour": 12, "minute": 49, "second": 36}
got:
{"hour": 4, "minute": 16, "second": 22}
